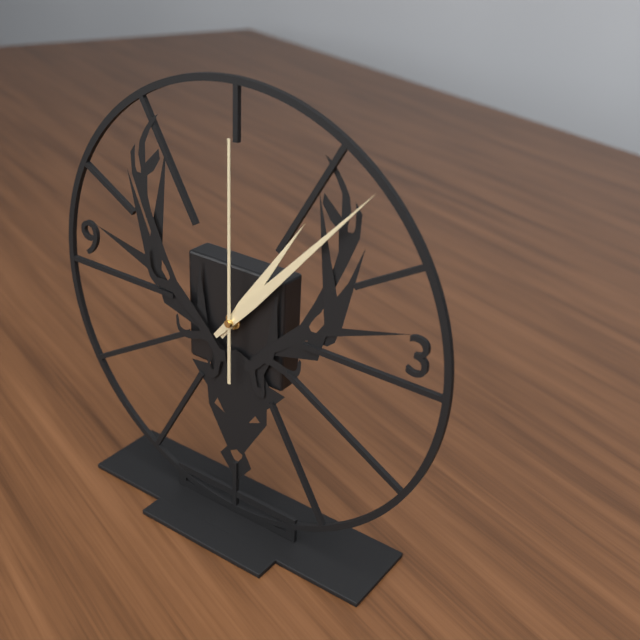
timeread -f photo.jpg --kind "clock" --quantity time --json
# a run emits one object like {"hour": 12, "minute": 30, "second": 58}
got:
{"hour": 1, "minute": 7, "second": 0}
